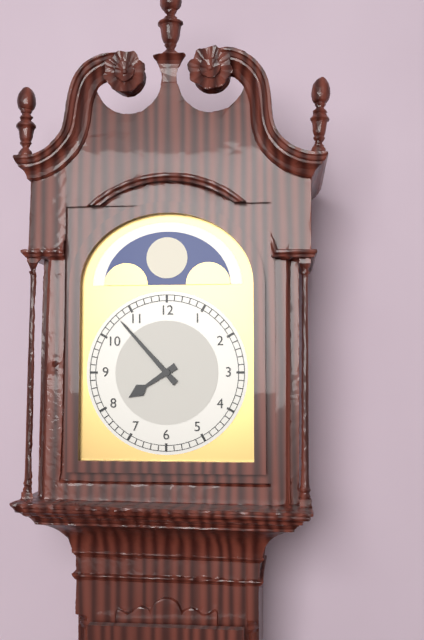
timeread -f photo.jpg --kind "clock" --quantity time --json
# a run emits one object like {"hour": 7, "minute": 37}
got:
{"hour": 7, "minute": 53}
